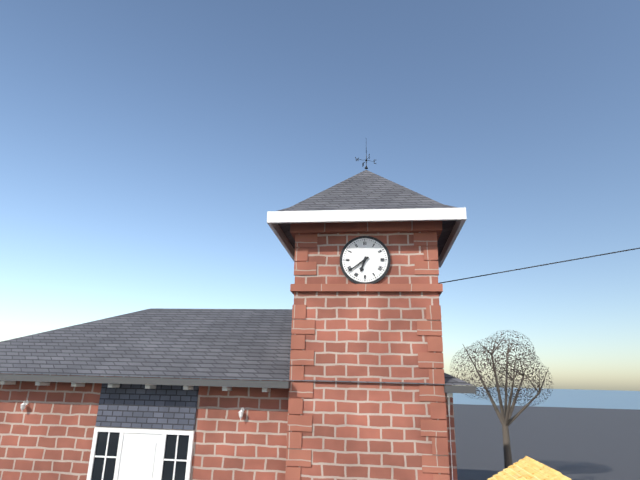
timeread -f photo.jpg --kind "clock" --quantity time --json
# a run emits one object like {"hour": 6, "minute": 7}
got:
{"hour": 6, "minute": 39}
